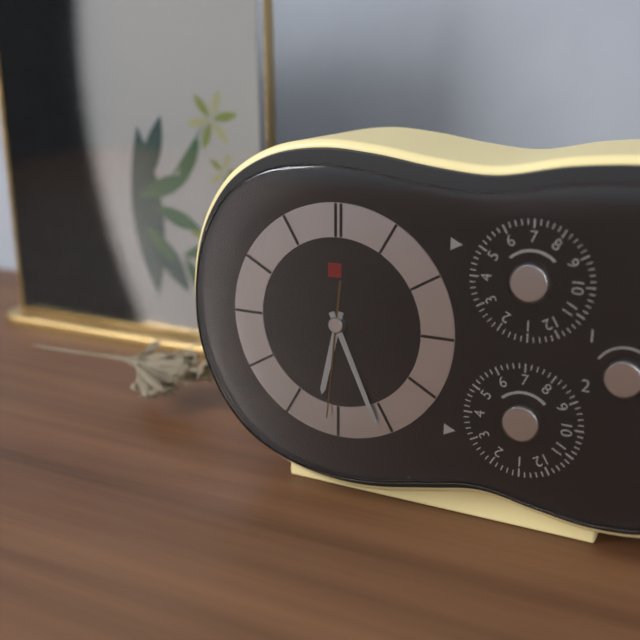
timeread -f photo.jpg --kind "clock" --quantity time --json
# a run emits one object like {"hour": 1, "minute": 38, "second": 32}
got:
{"hour": 6, "minute": 26, "second": 31}
